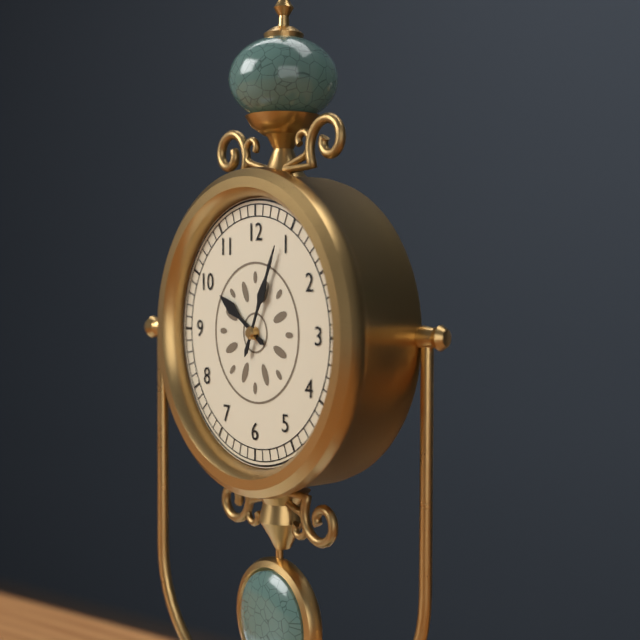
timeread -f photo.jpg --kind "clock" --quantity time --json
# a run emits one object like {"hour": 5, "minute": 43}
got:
{"hour": 10, "minute": 4}
